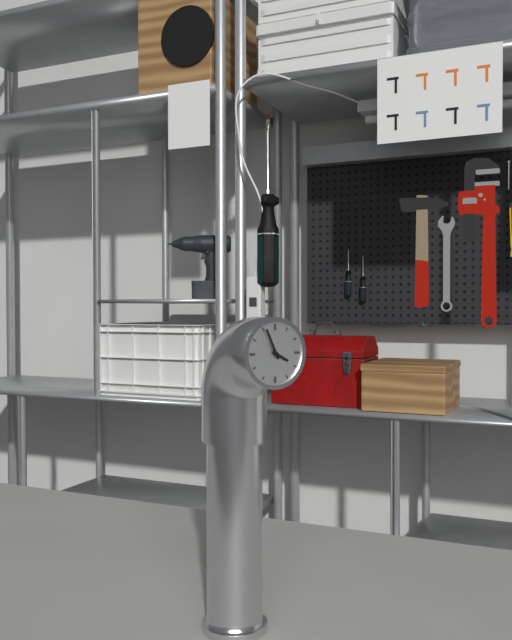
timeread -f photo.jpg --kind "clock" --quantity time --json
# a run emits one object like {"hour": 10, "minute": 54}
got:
{"hour": 3, "minute": 56}
